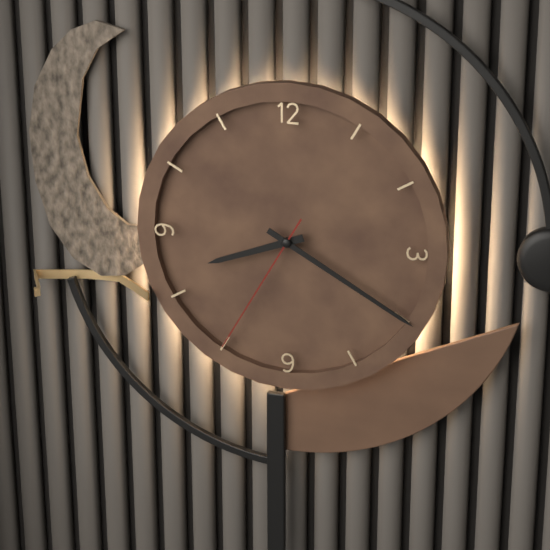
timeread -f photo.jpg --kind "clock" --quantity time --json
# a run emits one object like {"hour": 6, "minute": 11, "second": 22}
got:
{"hour": 8, "minute": 20, "second": 35}
